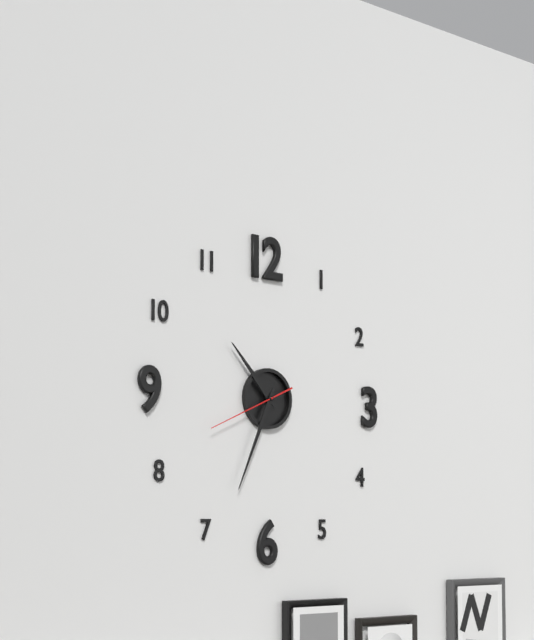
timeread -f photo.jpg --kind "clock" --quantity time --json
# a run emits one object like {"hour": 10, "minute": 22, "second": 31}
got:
{"hour": 10, "minute": 34, "second": 41}
